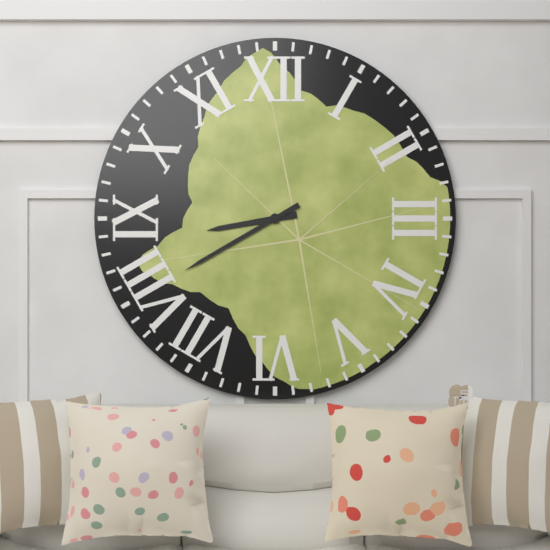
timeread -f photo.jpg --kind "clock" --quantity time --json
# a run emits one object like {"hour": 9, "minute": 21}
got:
{"hour": 8, "minute": 40}
